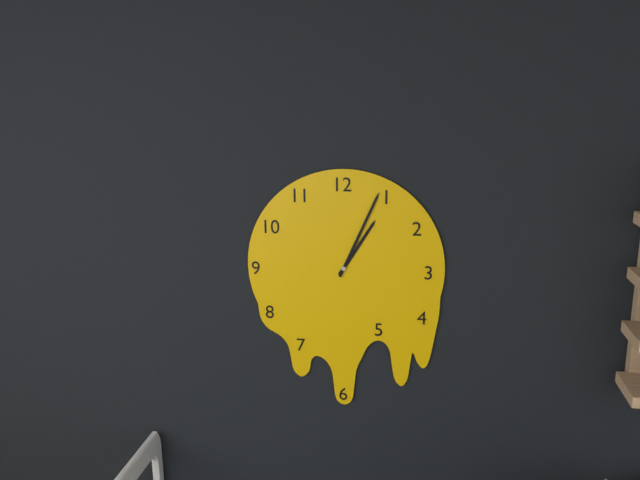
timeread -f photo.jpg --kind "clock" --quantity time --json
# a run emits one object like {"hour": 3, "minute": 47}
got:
{"hour": 1, "minute": 4}
